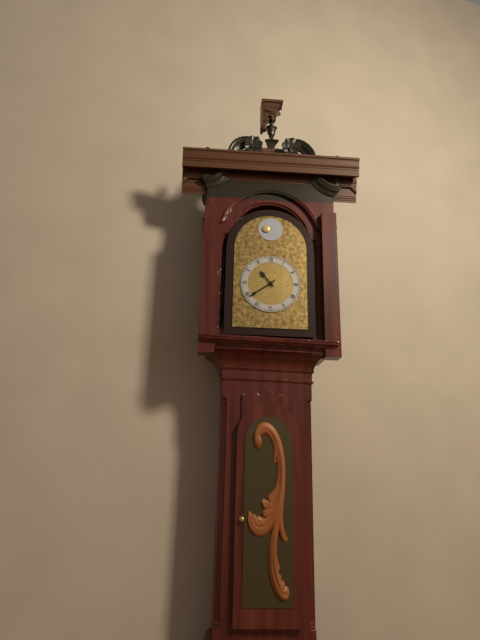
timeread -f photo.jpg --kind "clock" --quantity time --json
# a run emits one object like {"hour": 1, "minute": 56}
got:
{"hour": 10, "minute": 39}
